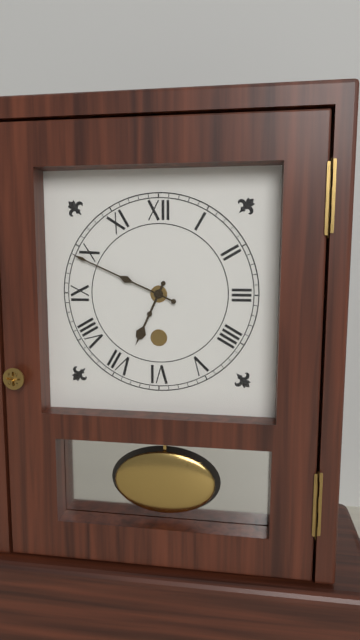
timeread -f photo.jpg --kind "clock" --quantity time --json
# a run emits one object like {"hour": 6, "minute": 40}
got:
{"hour": 6, "minute": 49}
